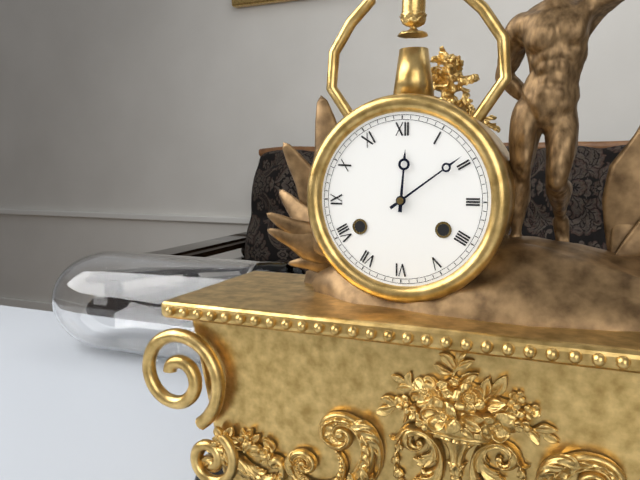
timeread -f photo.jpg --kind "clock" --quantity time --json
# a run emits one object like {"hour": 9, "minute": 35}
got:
{"hour": 12, "minute": 9}
